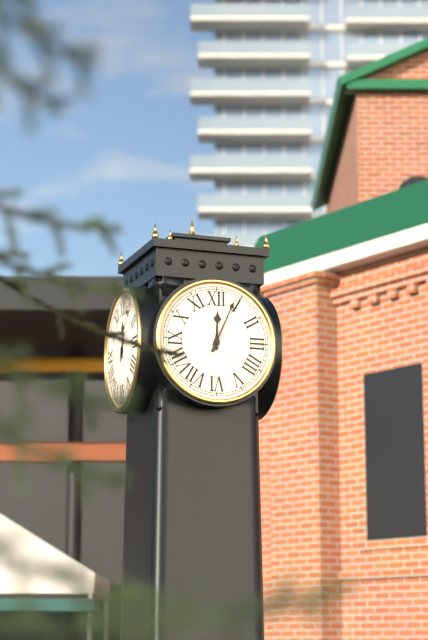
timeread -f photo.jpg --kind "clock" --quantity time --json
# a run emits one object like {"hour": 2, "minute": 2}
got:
{"hour": 12, "minute": 4}
